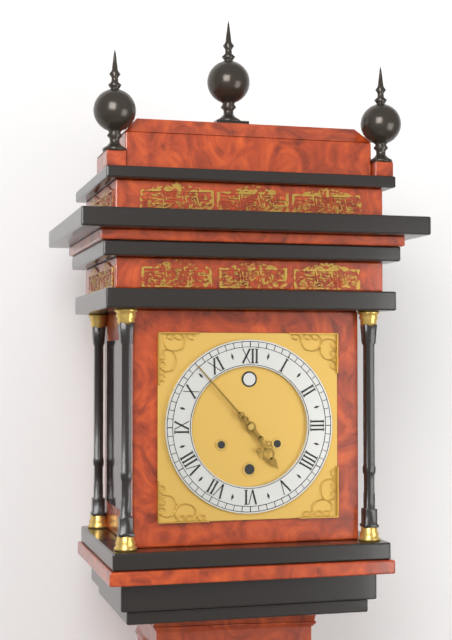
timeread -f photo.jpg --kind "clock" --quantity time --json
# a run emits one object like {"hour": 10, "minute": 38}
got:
{"hour": 4, "minute": 53}
